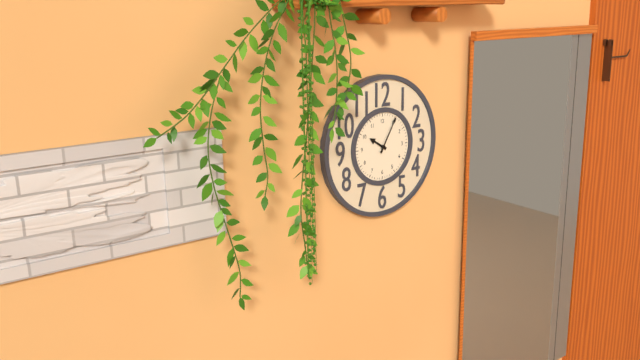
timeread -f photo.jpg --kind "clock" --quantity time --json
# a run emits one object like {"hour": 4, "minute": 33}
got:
{"hour": 10, "minute": 5}
